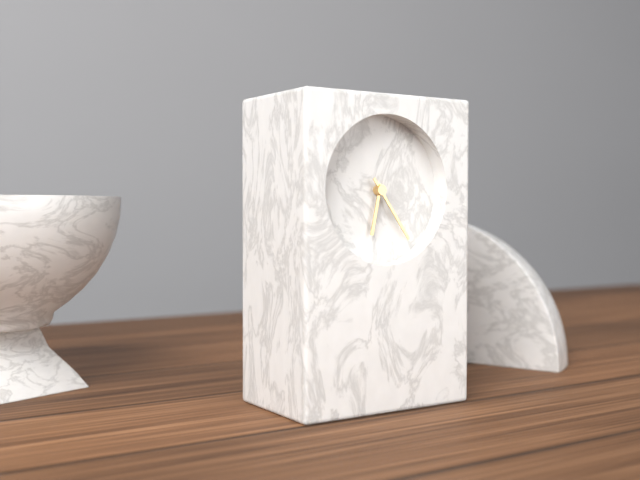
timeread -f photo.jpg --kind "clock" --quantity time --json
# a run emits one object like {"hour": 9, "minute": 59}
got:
{"hour": 6, "minute": 24}
